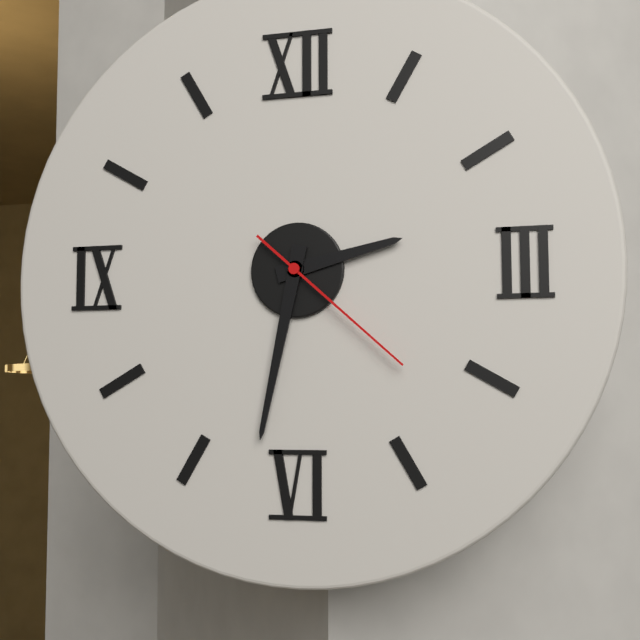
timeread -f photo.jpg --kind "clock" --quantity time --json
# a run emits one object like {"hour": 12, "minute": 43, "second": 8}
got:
{"hour": 2, "minute": 32, "second": 22}
